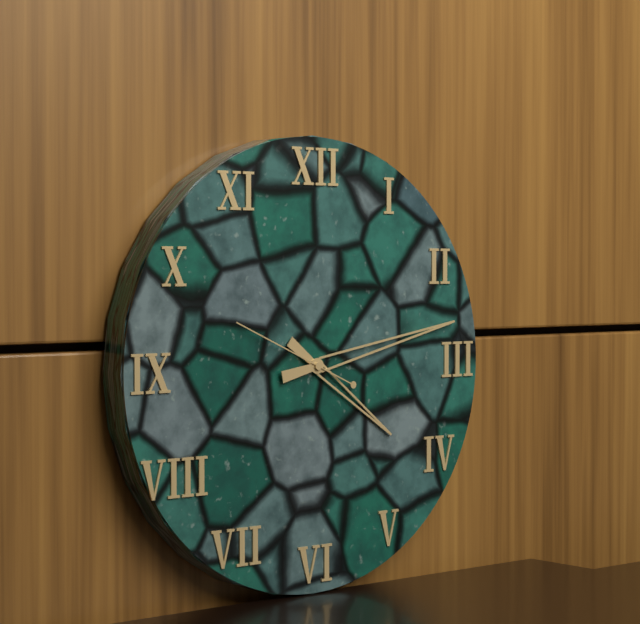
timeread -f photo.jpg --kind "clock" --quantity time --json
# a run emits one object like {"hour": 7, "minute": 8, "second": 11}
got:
{"hour": 4, "minute": 13, "second": 49}
